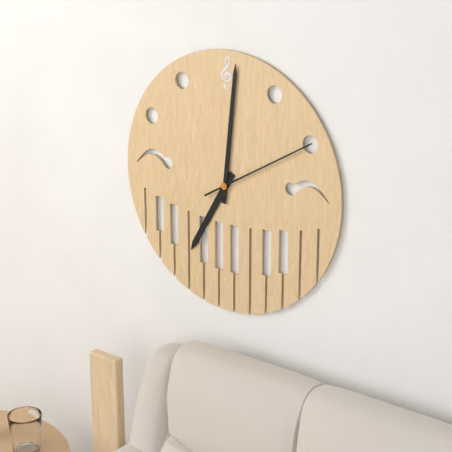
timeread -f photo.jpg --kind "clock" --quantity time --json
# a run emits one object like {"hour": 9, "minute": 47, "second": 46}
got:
{"hour": 7, "minute": 1, "second": 10}
